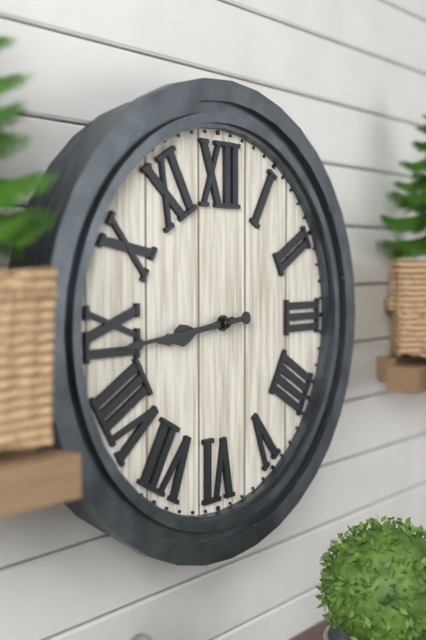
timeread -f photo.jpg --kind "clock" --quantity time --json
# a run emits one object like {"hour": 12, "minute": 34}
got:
{"hour": 8, "minute": 44}
